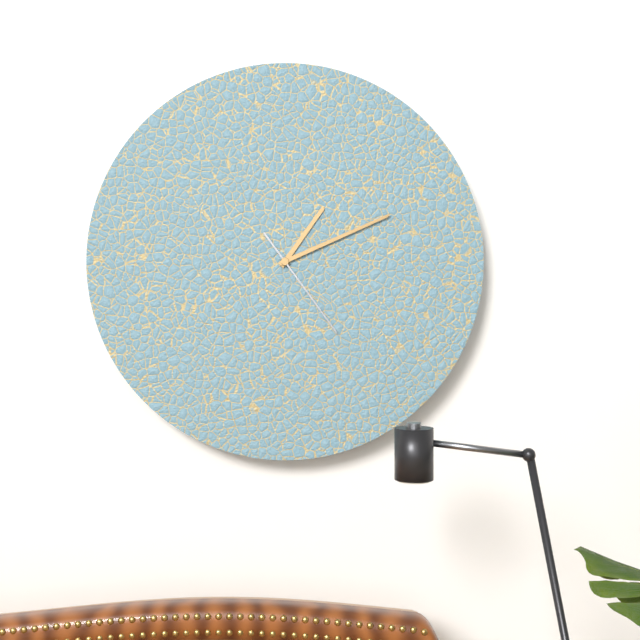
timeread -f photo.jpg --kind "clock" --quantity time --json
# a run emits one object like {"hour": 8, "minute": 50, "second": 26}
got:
{"hour": 1, "minute": 11, "second": 24}
